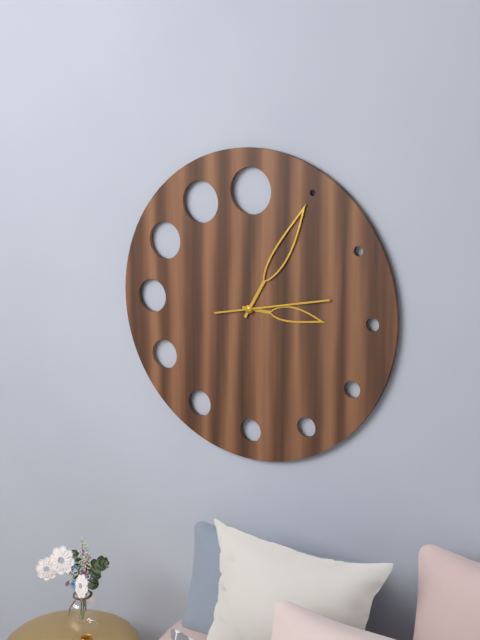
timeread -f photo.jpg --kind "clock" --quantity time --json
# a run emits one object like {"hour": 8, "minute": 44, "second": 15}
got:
{"hour": 3, "minute": 5, "second": 13}
